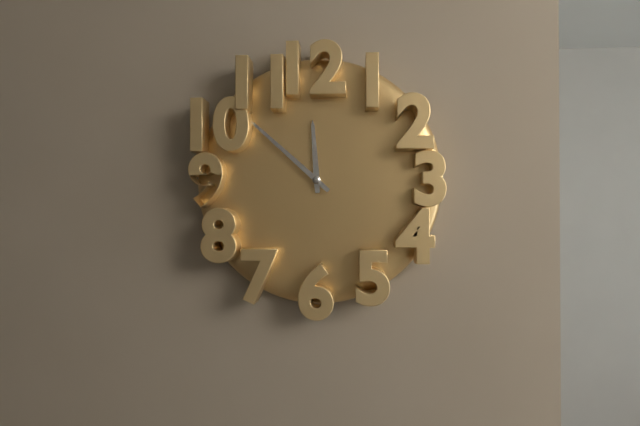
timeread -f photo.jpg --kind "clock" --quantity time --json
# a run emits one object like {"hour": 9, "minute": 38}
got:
{"hour": 11, "minute": 52}
